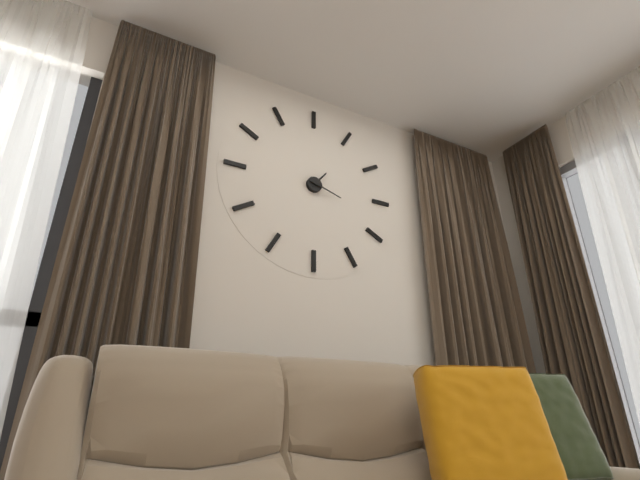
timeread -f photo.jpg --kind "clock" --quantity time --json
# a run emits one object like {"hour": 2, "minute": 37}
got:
{"hour": 1, "minute": 18}
